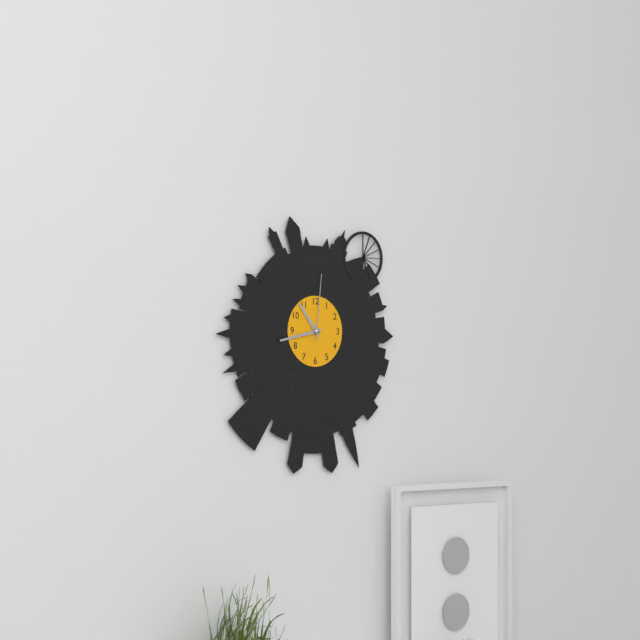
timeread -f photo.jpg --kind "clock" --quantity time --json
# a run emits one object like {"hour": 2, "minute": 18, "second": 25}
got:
{"hour": 10, "minute": 43, "second": 1}
